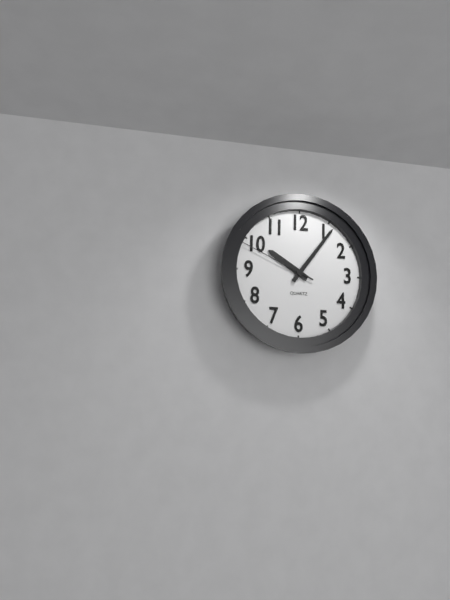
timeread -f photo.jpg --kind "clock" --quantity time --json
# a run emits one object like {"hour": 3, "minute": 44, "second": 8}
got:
{"hour": 10, "minute": 6, "second": 49}
